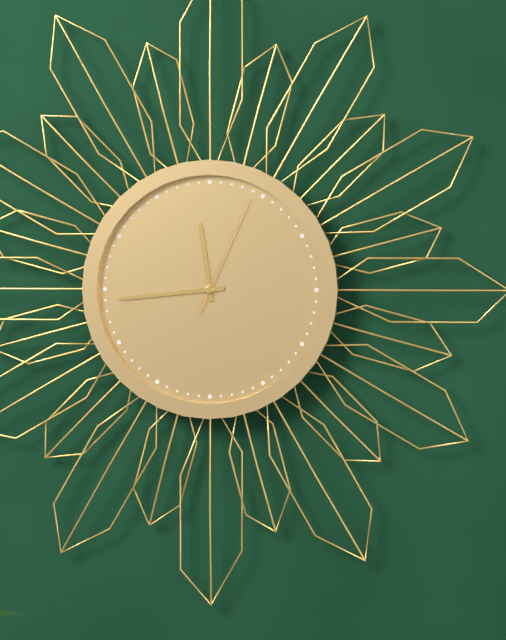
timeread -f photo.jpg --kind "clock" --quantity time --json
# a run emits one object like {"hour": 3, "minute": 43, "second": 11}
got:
{"hour": 11, "minute": 44, "second": 4}
